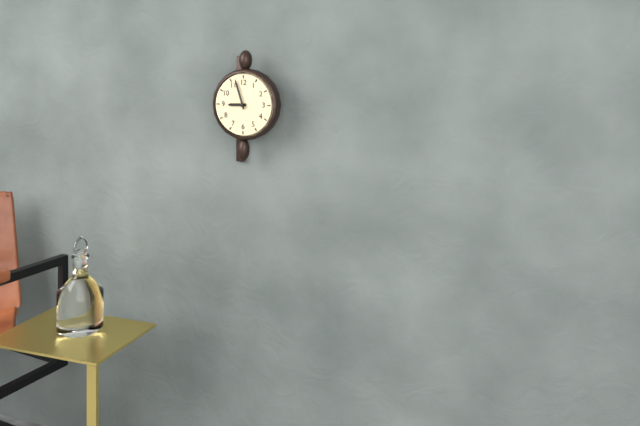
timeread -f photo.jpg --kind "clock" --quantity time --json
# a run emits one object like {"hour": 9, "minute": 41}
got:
{"hour": 8, "minute": 57}
